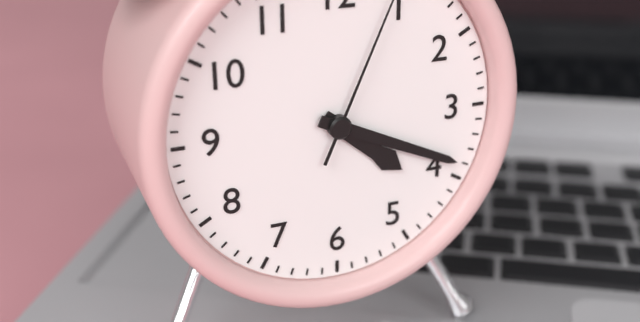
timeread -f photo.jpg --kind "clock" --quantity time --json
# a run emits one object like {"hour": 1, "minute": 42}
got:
{"hour": 4, "minute": 19}
